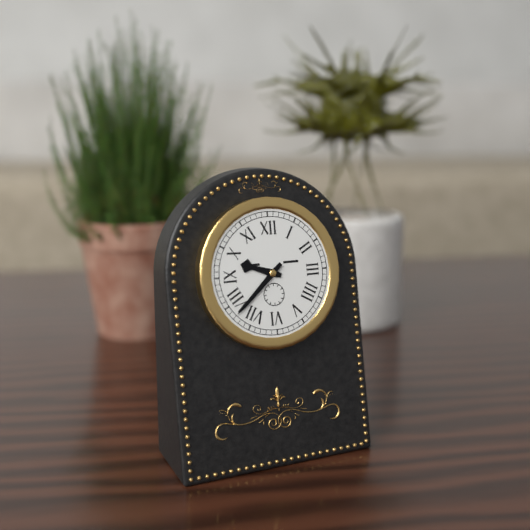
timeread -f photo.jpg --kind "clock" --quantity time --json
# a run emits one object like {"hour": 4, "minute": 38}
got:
{"hour": 9, "minute": 38}
